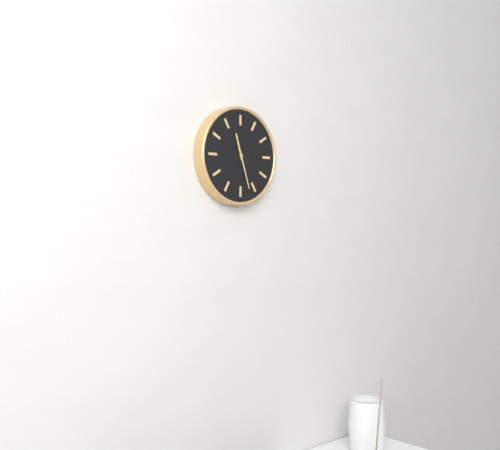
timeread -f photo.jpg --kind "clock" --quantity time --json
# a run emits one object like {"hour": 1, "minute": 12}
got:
{"hour": 11, "minute": 27}
